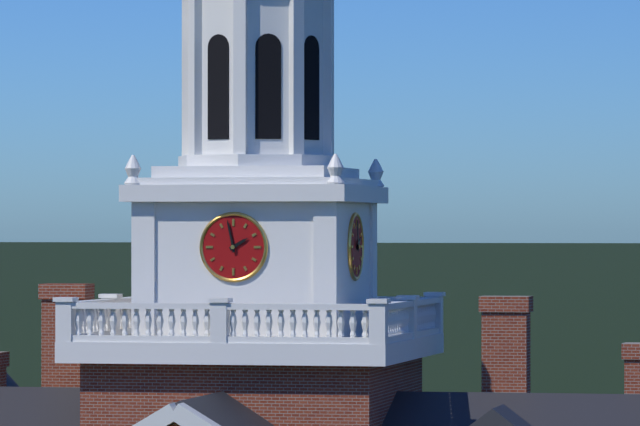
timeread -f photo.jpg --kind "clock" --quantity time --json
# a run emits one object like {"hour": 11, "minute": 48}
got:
{"hour": 1, "minute": 58}
